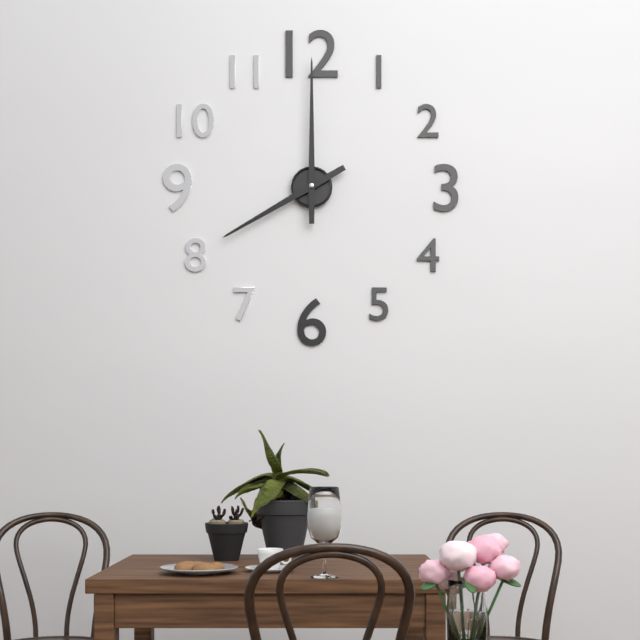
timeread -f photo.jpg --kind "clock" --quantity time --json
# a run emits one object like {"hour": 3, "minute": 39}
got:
{"hour": 8, "minute": 0}
